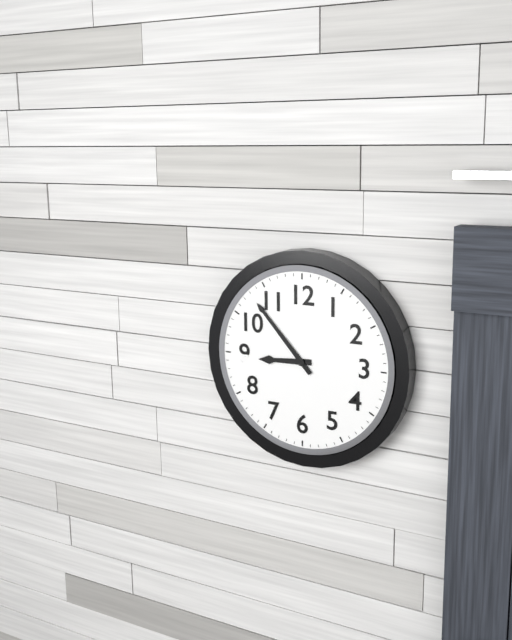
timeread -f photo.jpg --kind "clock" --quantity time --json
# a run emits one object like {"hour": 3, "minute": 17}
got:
{"hour": 8, "minute": 53}
